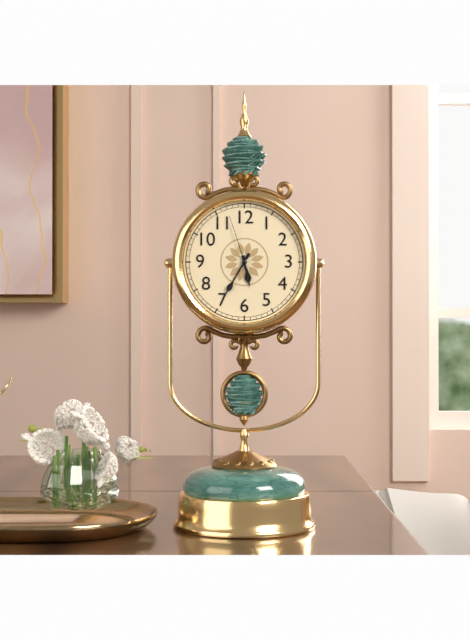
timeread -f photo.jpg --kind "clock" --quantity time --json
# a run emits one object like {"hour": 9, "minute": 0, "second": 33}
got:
{"hour": 5, "minute": 35, "second": 57}
